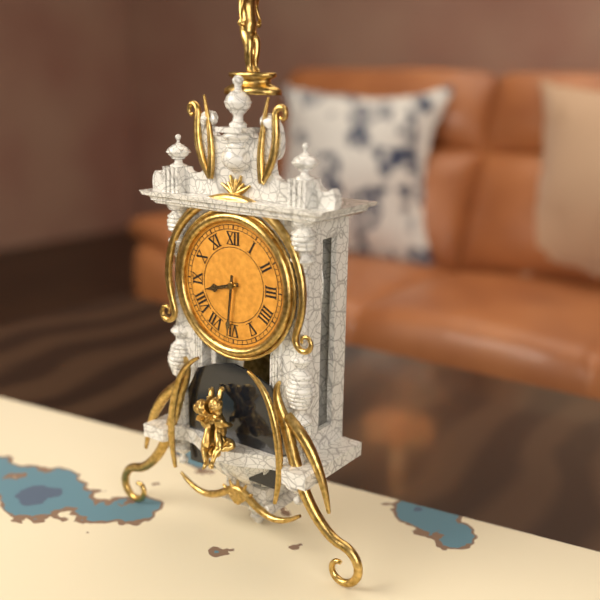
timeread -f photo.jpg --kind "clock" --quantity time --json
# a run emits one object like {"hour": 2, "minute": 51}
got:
{"hour": 8, "minute": 31}
